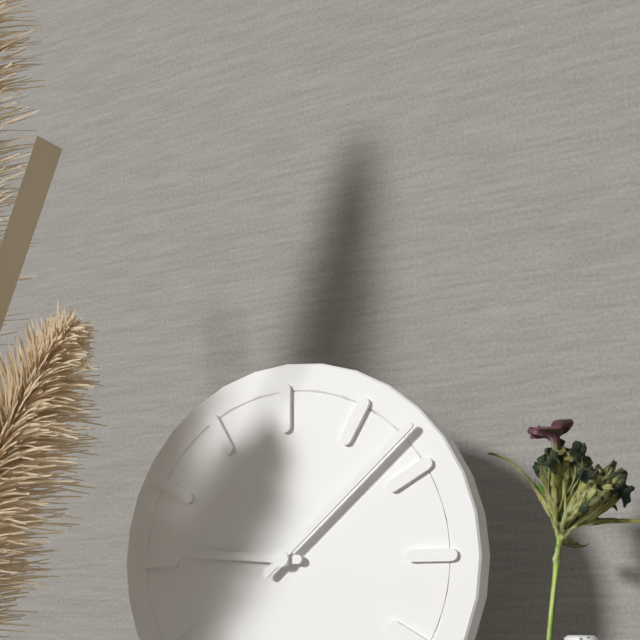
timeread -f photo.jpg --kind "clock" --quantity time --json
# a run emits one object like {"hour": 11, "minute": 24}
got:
{"hour": 9, "minute": 8}
